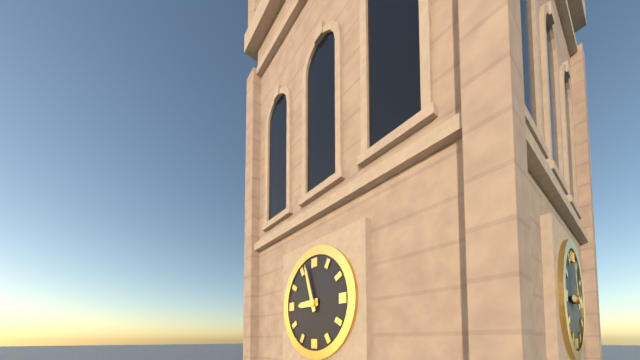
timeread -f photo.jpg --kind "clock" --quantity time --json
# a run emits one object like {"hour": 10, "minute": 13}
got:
{"hour": 8, "minute": 57}
